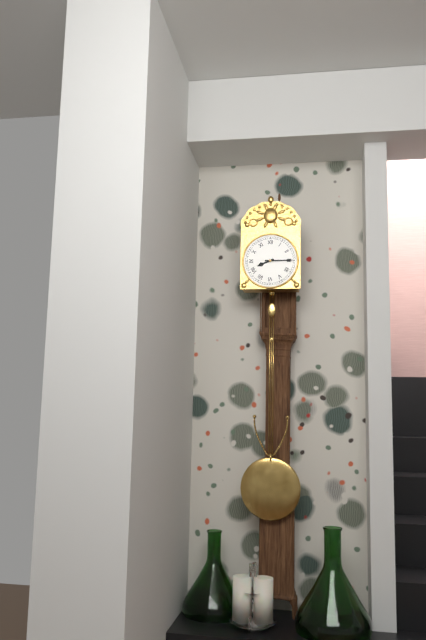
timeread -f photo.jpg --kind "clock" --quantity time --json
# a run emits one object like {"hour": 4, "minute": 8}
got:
{"hour": 8, "minute": 15}
